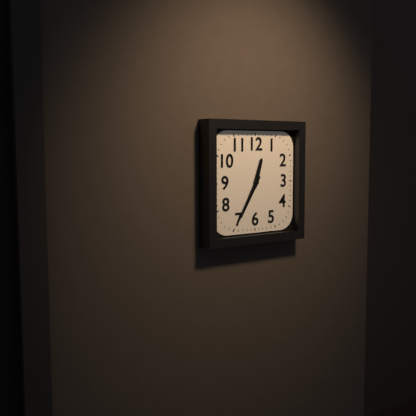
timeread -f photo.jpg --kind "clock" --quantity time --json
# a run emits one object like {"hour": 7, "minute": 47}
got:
{"hour": 12, "minute": 35}
